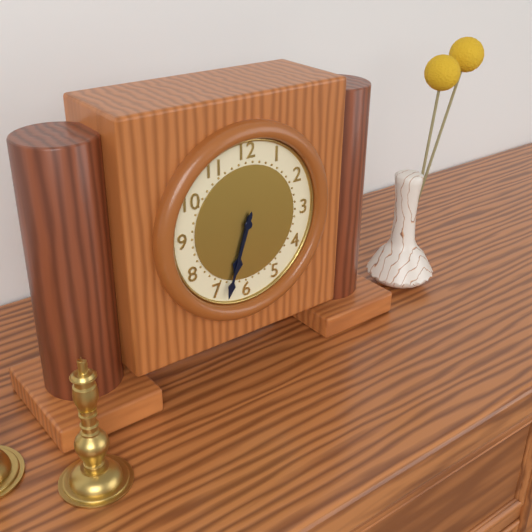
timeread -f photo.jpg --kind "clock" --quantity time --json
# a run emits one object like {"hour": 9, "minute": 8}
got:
{"hour": 6, "minute": 33}
